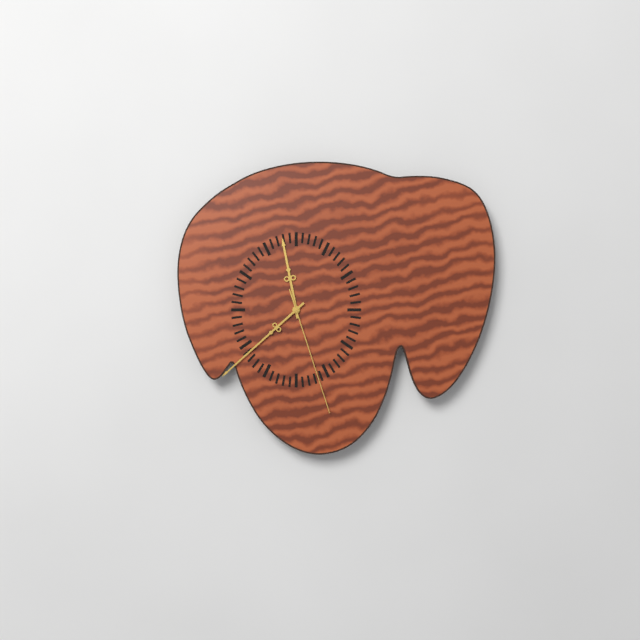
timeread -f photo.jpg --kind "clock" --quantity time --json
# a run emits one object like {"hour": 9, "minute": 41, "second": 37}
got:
{"hour": 11, "minute": 38, "second": 27}
